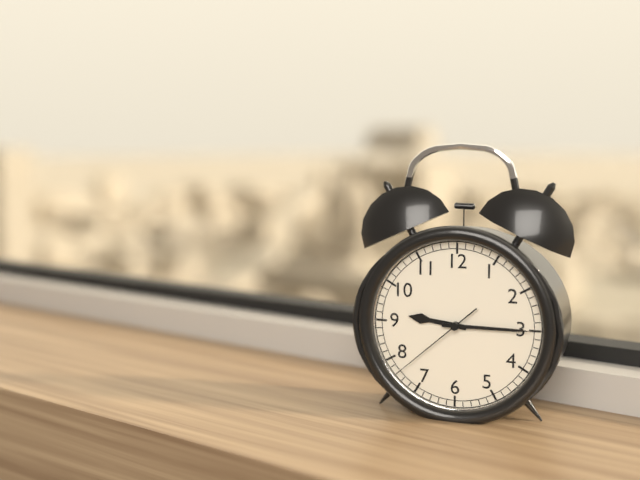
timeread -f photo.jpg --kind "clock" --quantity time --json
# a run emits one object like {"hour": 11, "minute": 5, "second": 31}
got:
{"hour": 9, "minute": 15, "second": 38}
